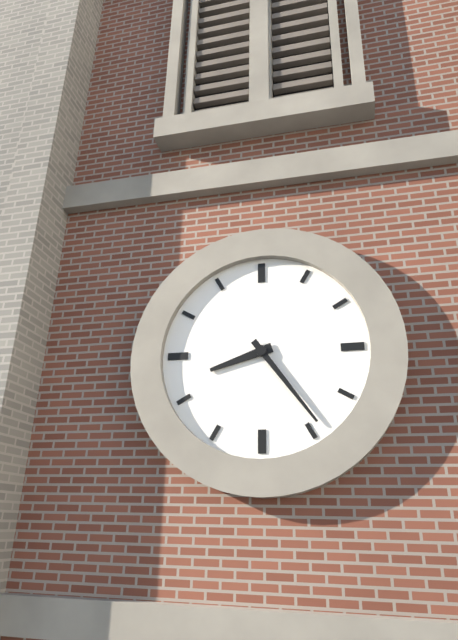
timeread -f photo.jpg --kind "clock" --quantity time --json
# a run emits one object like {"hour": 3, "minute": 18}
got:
{"hour": 8, "minute": 24}
